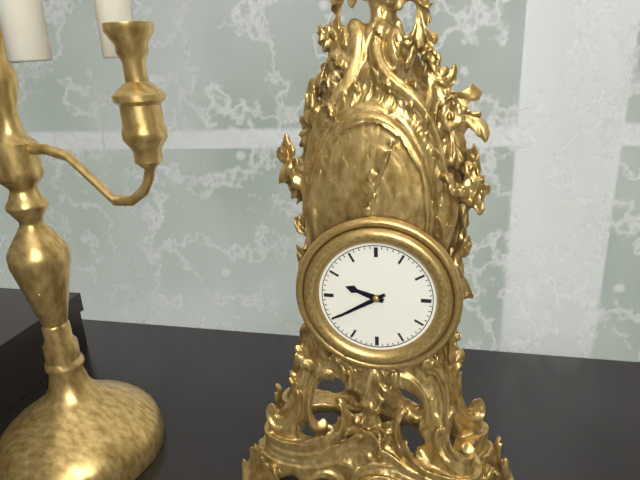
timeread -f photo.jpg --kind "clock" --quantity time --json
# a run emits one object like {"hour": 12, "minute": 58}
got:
{"hour": 9, "minute": 40}
